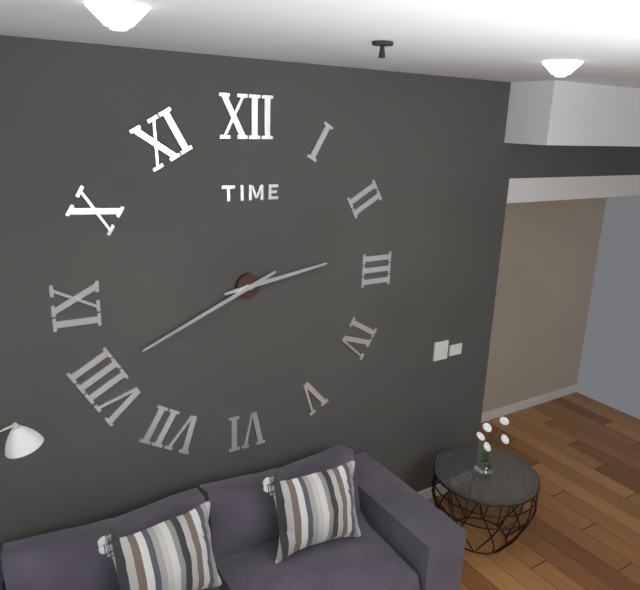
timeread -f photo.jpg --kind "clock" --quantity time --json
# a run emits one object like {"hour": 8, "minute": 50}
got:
{"hour": 2, "minute": 41}
